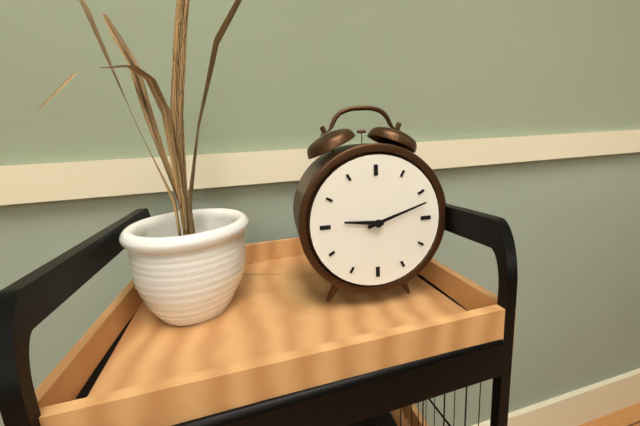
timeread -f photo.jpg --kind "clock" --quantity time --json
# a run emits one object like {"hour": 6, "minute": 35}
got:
{"hour": 9, "minute": 12}
